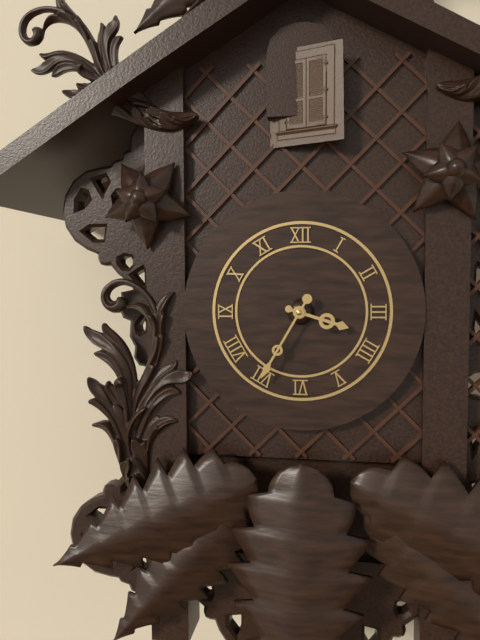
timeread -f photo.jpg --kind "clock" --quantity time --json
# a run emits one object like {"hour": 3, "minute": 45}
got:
{"hour": 3, "minute": 35}
